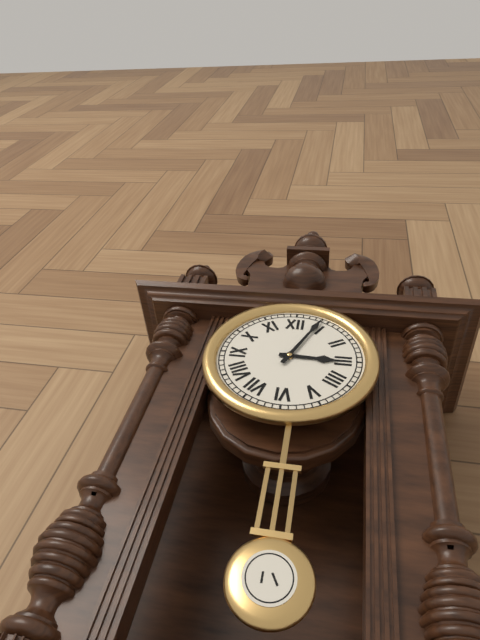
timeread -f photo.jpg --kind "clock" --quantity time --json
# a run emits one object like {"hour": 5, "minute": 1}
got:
{"hour": 3, "minute": 4}
